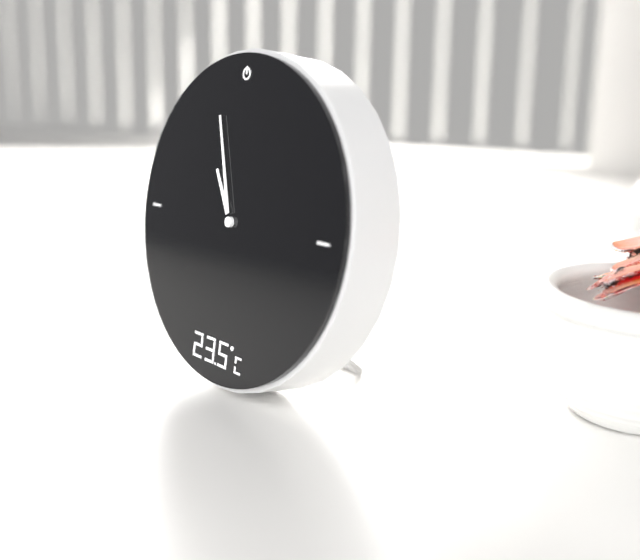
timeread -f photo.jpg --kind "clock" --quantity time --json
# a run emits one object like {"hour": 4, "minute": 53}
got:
{"hour": 10, "minute": 57}
